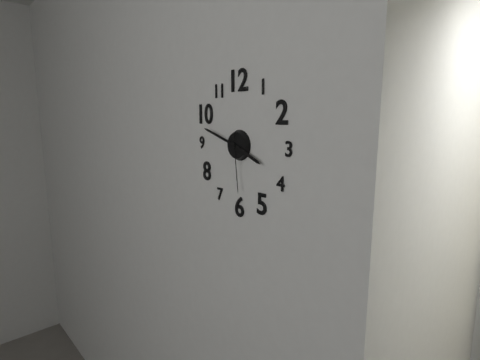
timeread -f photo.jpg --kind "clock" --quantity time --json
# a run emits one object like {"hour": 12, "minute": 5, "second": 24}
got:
{"hour": 3, "minute": 48, "second": 29}
